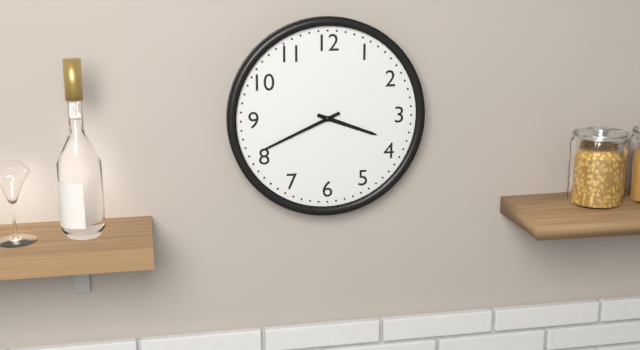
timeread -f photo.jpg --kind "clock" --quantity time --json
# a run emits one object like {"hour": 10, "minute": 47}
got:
{"hour": 3, "minute": 41}
